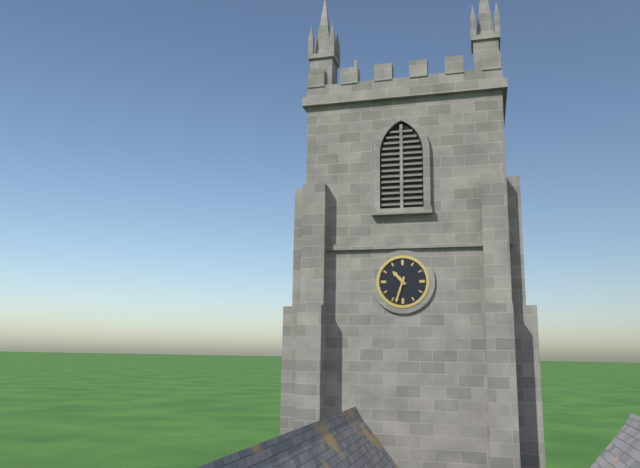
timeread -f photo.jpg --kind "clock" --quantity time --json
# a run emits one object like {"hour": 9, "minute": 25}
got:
{"hour": 10, "minute": 33}
